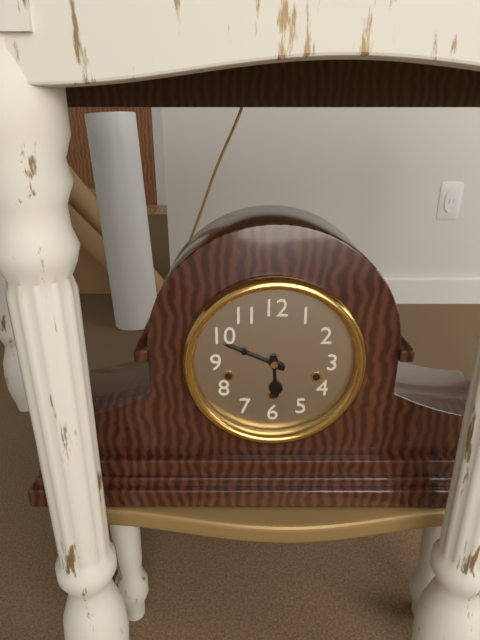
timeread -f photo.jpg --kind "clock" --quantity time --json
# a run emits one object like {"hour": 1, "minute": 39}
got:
{"hour": 5, "minute": 49}
